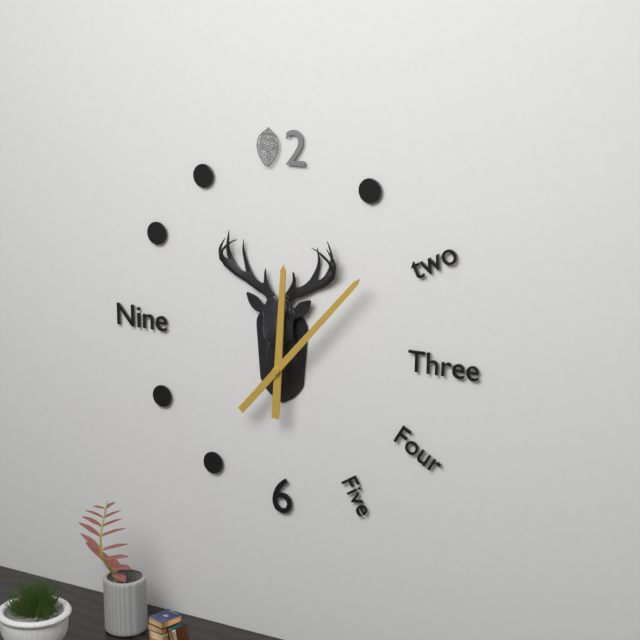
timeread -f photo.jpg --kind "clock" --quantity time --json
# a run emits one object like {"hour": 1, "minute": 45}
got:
{"hour": 12, "minute": 7}
